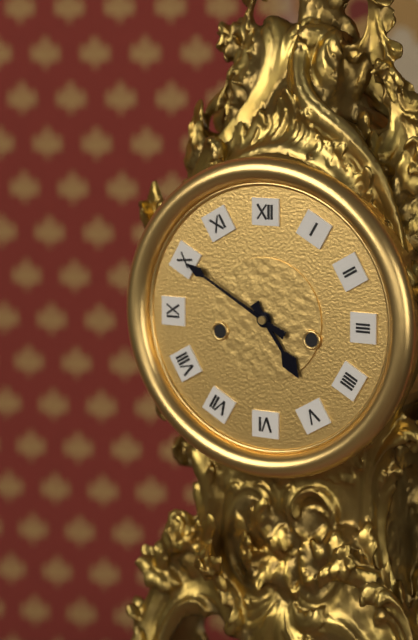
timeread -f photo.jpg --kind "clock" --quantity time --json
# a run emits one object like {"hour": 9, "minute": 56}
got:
{"hour": 4, "minute": 50}
